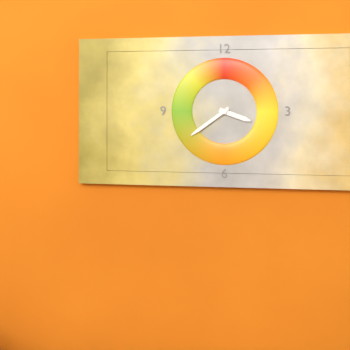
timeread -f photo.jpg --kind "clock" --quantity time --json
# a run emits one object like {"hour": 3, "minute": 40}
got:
{"hour": 3, "minute": 39}
